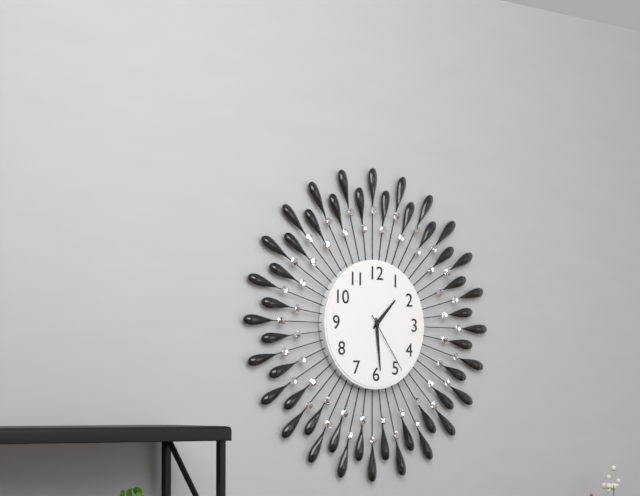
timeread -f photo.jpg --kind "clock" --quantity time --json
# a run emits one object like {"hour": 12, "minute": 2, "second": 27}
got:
{"hour": 1, "minute": 29, "second": 24}
